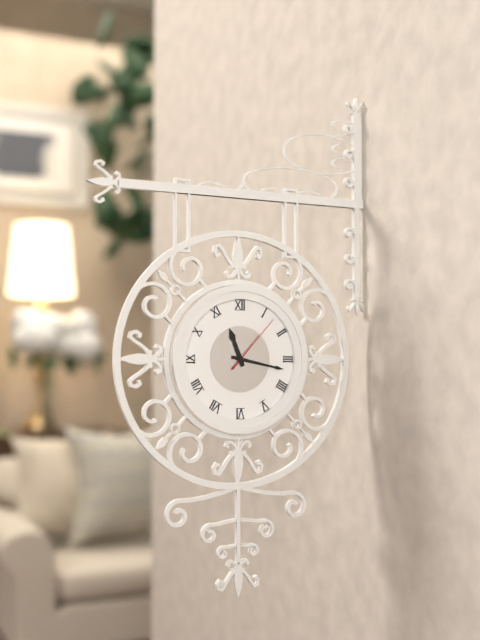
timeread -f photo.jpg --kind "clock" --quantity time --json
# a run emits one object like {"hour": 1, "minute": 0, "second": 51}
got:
{"hour": 11, "minute": 17, "second": 7}
